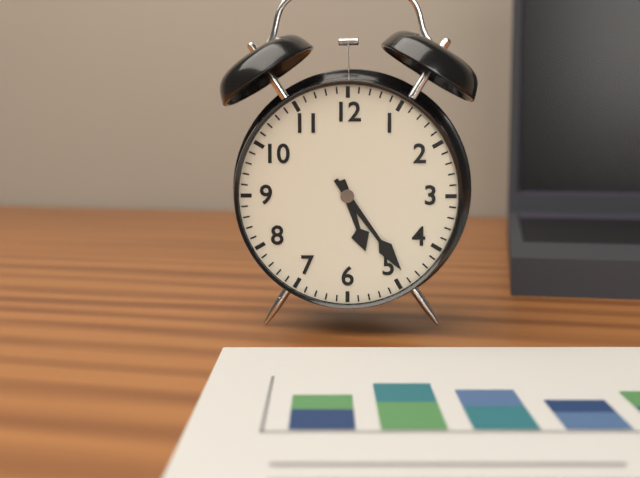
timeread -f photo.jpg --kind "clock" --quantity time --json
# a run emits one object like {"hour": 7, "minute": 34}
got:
{"hour": 5, "minute": 24}
